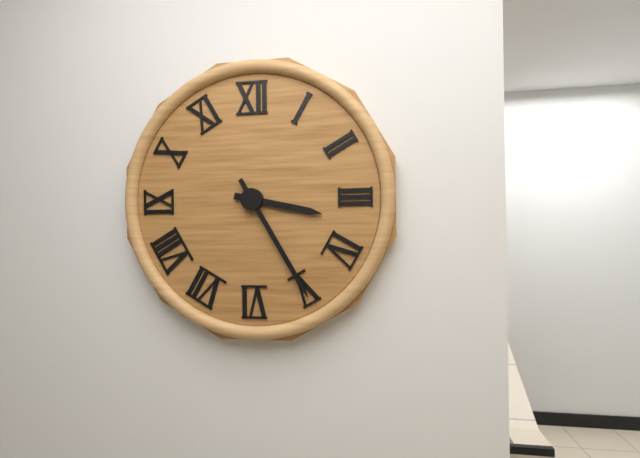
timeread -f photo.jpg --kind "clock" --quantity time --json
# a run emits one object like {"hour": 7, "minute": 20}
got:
{"hour": 3, "minute": 25}
